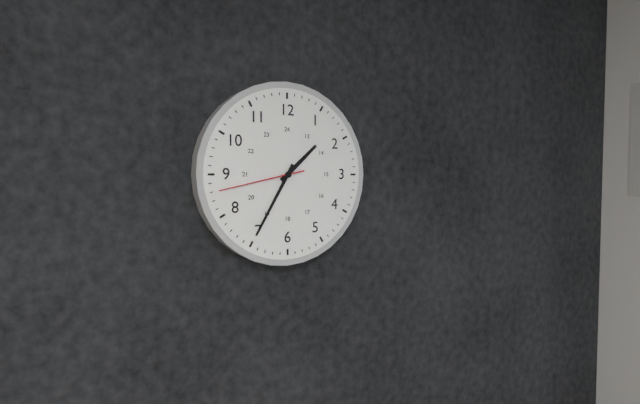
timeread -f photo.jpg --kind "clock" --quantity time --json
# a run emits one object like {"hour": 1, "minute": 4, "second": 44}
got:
{"hour": 1, "minute": 35, "second": 43}
